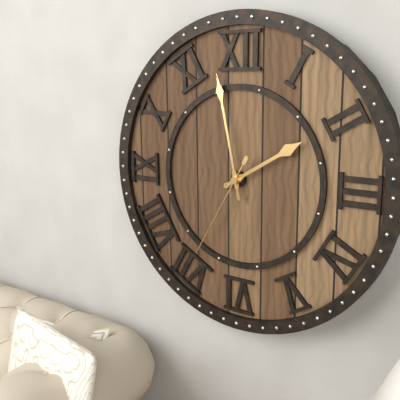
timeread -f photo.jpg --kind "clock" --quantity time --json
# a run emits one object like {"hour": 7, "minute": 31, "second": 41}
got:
{"hour": 1, "minute": 58, "second": 35}
